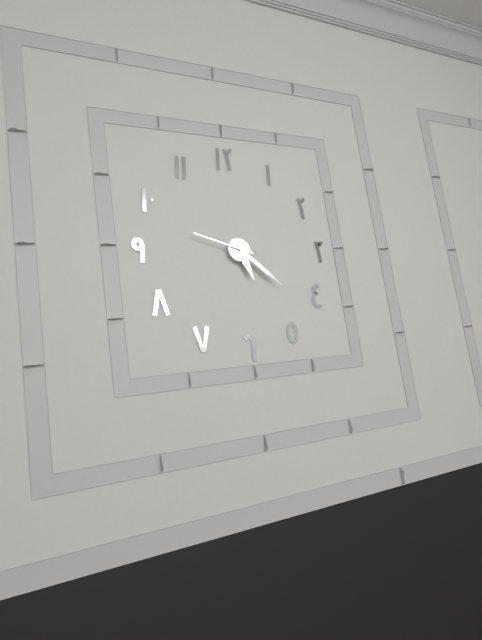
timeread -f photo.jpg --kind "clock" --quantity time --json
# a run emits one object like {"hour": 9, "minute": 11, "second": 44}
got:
{"hour": 5, "minute": 22, "second": 48}
